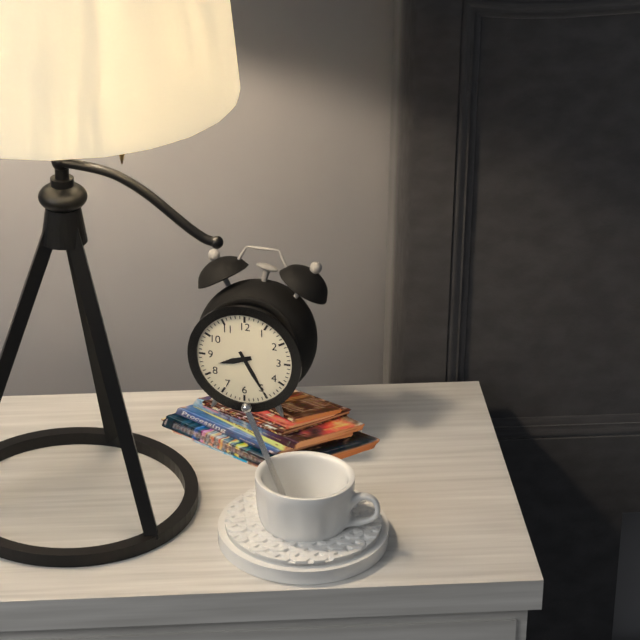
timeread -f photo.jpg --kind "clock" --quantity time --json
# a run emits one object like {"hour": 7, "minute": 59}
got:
{"hour": 8, "minute": 25}
